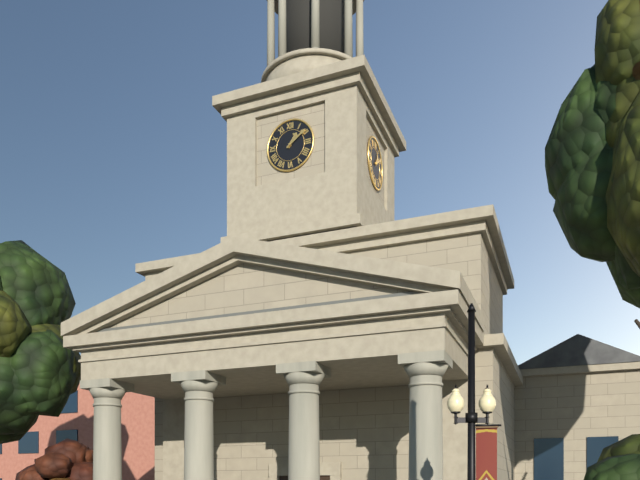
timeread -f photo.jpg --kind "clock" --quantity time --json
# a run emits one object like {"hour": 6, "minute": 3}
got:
{"hour": 1, "minute": 9}
